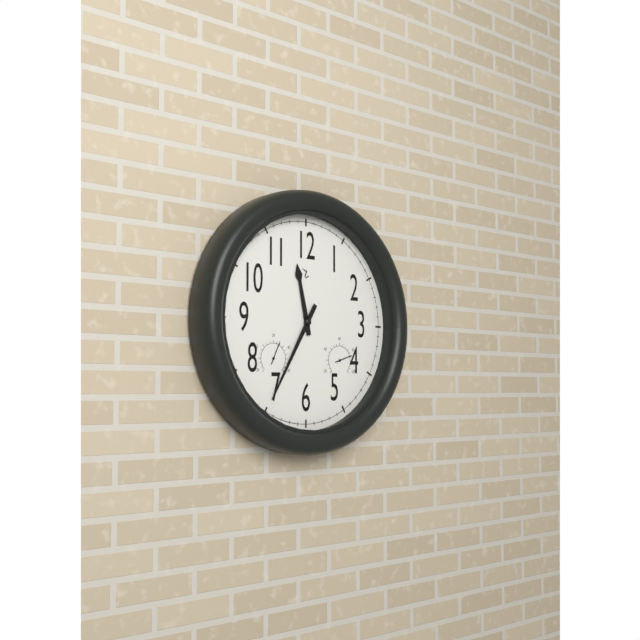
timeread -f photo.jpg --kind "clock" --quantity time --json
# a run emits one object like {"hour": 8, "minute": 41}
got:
{"hour": 11, "minute": 35}
